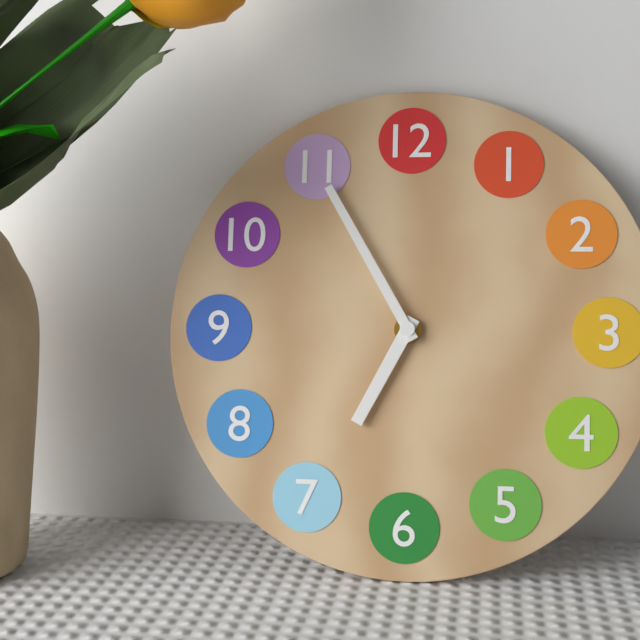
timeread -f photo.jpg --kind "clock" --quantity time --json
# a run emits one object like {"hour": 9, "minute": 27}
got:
{"hour": 6, "minute": 55}
